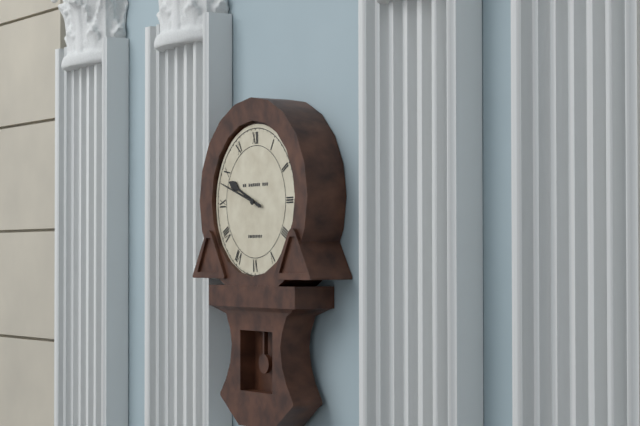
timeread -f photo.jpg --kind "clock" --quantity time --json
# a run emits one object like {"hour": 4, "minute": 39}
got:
{"hour": 9, "minute": 48}
